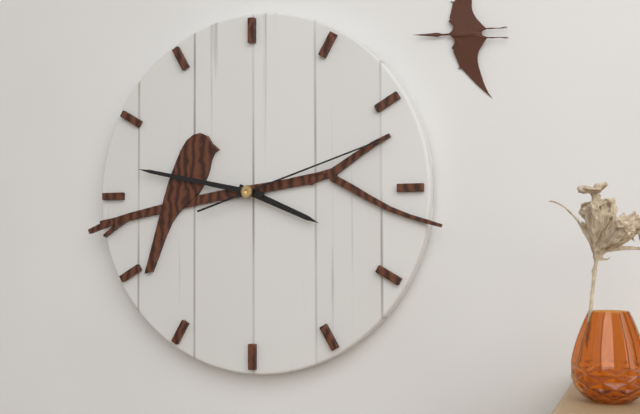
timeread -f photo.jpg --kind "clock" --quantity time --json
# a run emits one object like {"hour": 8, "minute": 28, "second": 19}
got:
{"hour": 3, "minute": 47, "second": 12}
